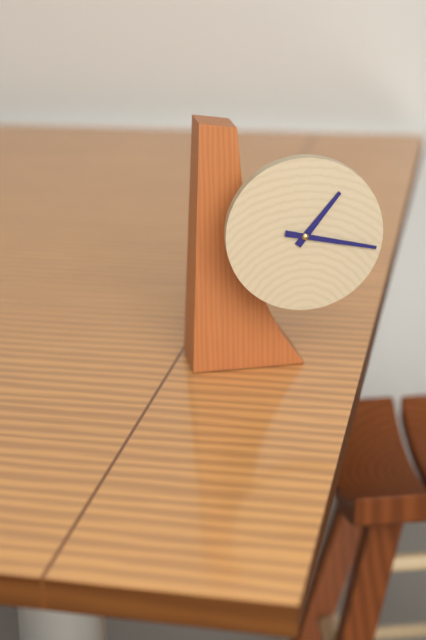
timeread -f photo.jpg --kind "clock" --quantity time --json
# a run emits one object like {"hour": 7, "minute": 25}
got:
{"hour": 1, "minute": 17}
